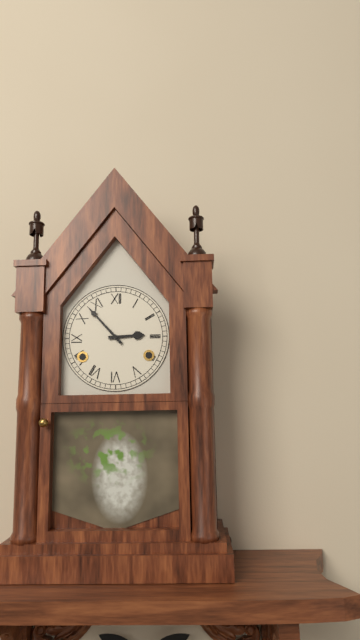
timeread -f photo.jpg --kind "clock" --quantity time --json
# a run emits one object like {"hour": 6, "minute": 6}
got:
{"hour": 2, "minute": 53}
